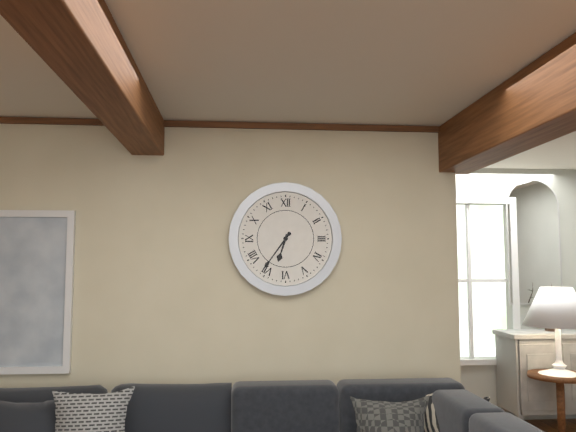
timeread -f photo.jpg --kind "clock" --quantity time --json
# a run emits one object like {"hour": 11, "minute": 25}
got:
{"hour": 6, "minute": 36}
